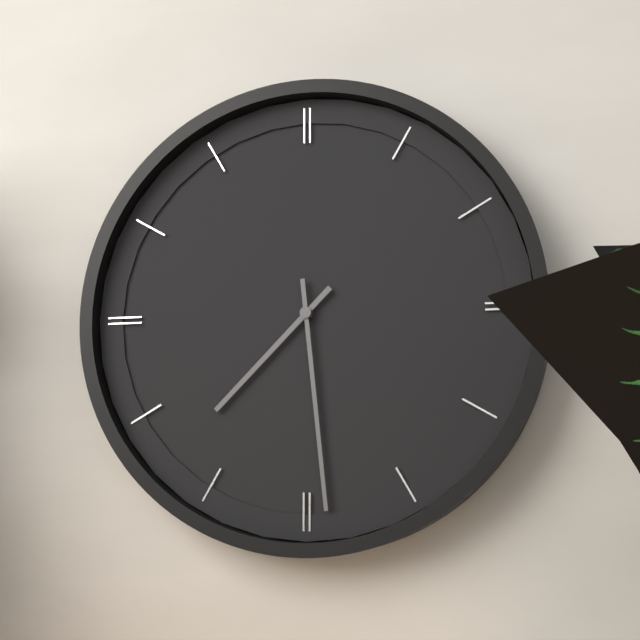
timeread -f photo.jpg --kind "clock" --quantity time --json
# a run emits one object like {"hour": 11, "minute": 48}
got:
{"hour": 7, "minute": 29}
